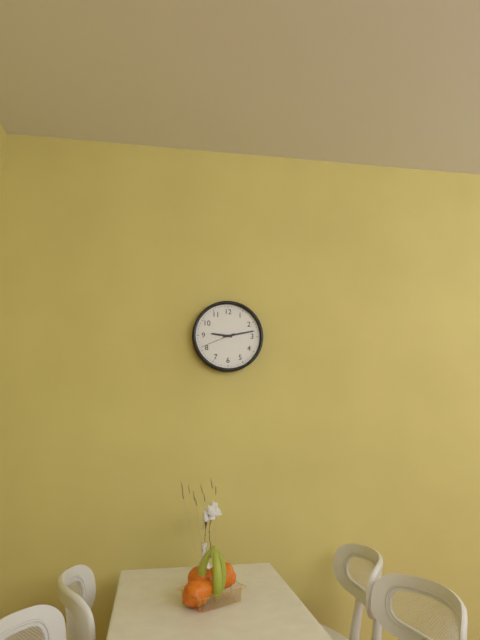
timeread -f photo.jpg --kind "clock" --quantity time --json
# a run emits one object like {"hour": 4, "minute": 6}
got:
{"hour": 9, "minute": 13}
